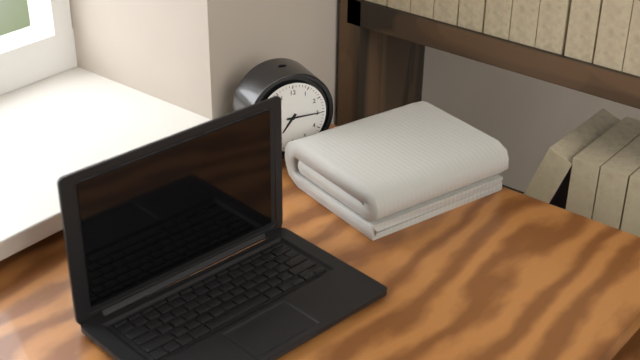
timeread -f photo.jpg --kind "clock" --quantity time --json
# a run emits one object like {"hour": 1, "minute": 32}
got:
{"hour": 7, "minute": 15}
